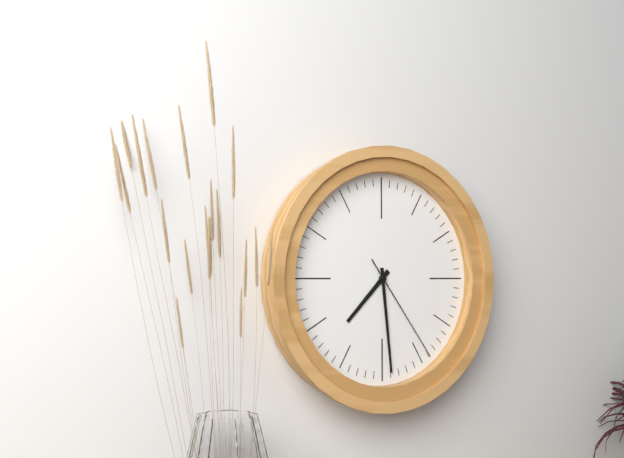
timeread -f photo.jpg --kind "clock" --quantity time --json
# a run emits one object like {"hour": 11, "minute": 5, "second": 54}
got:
{"hour": 7, "minute": 29, "second": 24}
